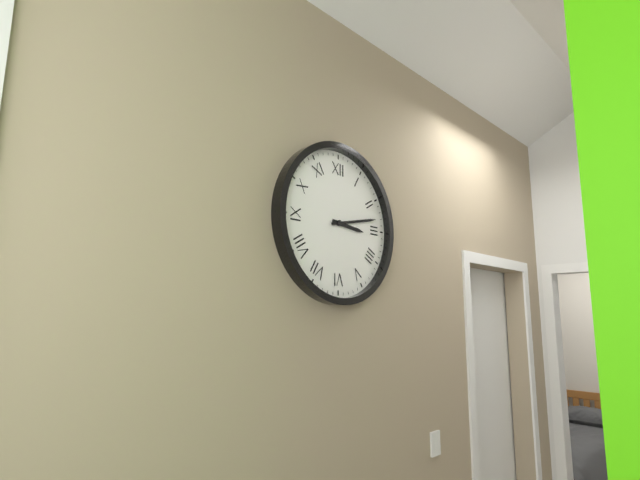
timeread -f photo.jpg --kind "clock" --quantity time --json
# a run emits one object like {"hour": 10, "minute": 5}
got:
{"hour": 3, "minute": 13}
